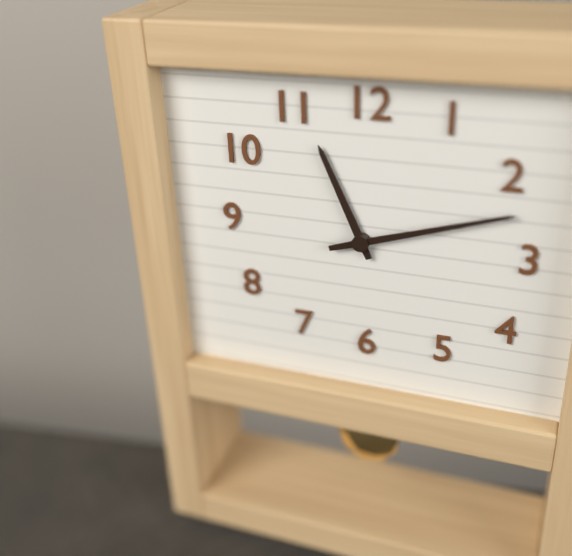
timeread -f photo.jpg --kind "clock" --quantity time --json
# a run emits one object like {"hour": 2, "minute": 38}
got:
{"hour": 11, "minute": 12}
